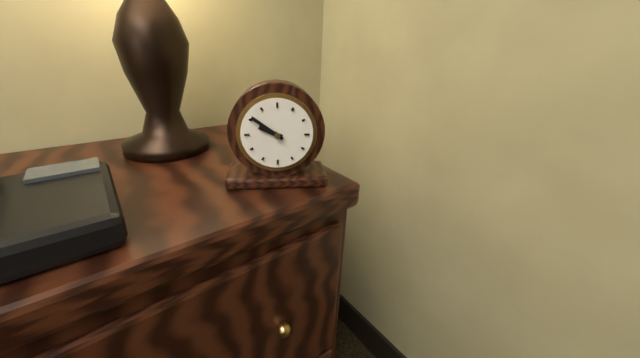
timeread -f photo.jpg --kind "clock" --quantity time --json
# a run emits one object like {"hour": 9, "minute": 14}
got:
{"hour": 9, "minute": 51}
